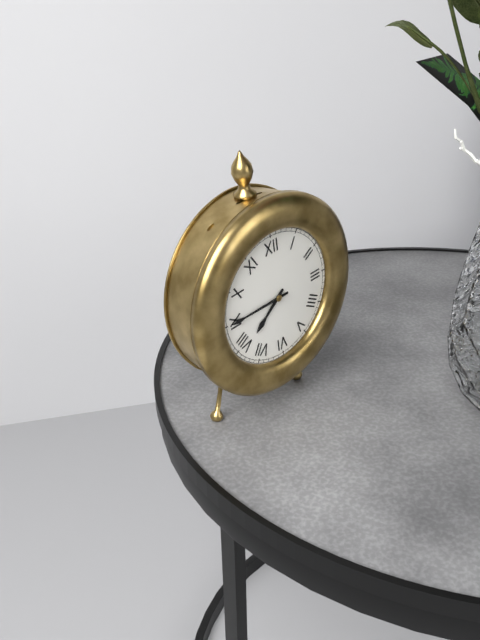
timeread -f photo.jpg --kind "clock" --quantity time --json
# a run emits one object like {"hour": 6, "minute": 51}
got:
{"hour": 7, "minute": 45}
